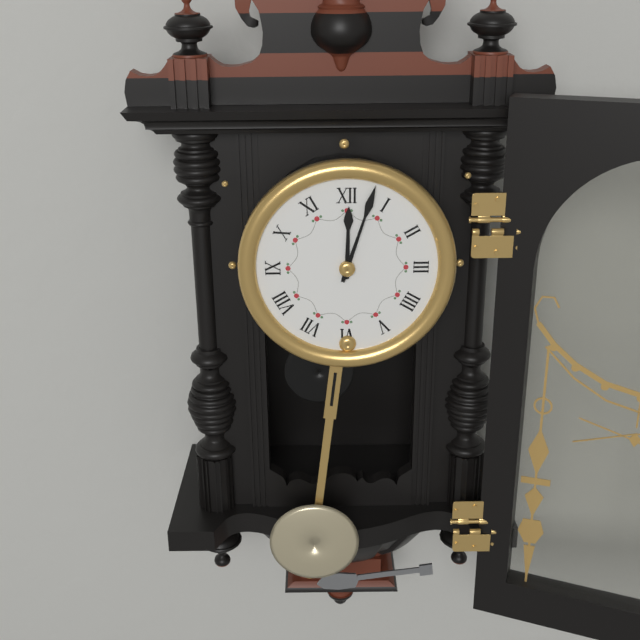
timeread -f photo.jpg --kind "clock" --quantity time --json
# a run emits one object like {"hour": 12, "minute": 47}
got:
{"hour": 12, "minute": 3}
